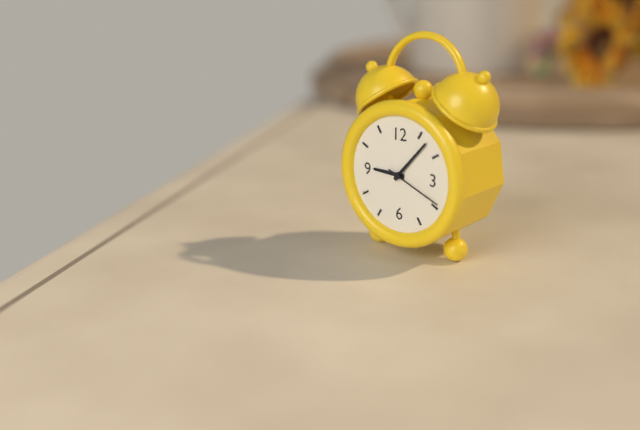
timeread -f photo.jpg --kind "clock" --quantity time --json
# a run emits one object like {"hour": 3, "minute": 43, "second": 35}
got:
{"hour": 9, "minute": 7, "second": 19}
